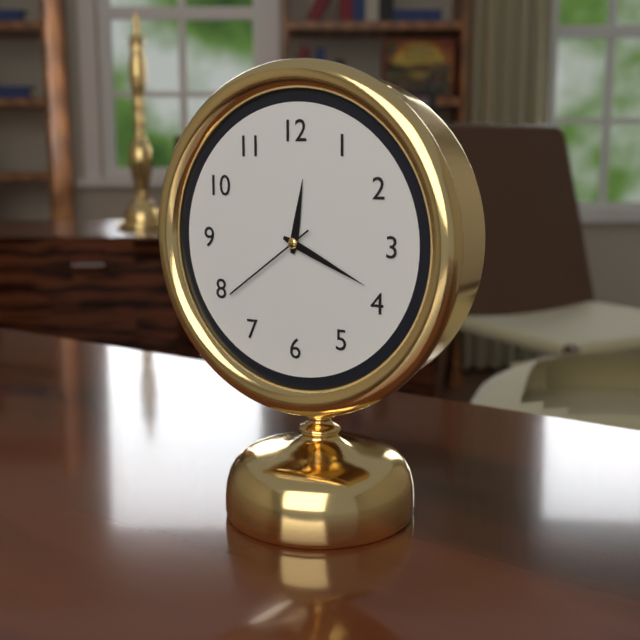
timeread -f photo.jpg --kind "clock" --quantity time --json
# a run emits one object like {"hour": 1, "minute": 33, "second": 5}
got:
{"hour": 12, "minute": 19, "second": 39}
